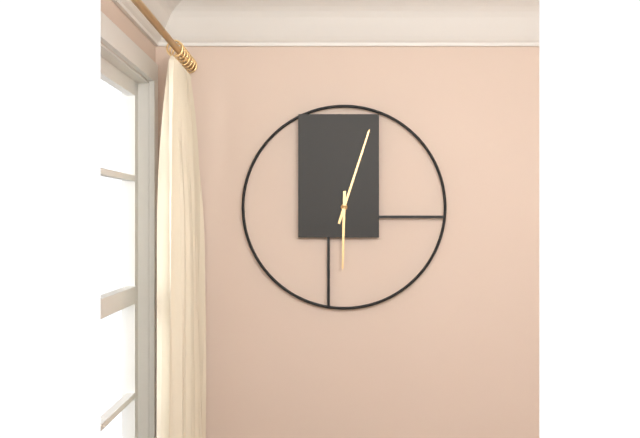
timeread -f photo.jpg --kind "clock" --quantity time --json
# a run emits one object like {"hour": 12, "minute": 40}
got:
{"hour": 6, "minute": 3}
